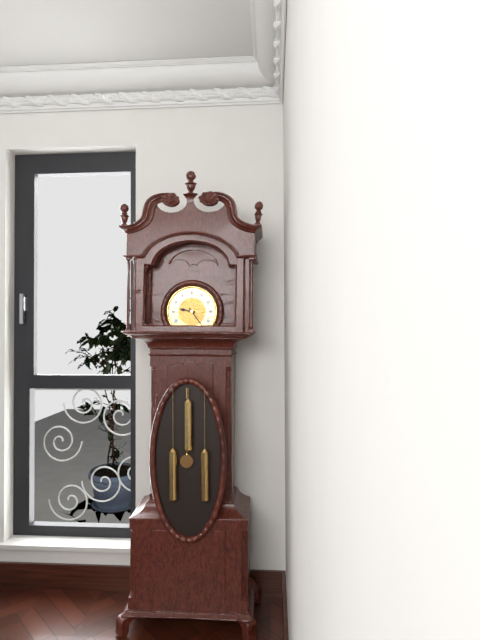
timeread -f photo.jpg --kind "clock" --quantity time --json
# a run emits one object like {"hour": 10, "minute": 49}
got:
{"hour": 9, "minute": 24}
